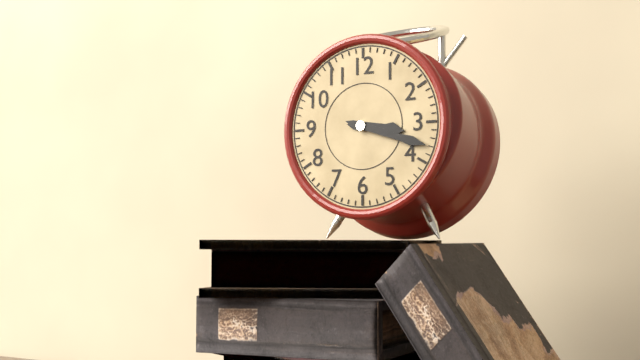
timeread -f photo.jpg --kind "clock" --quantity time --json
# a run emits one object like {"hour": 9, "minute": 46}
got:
{"hour": 3, "minute": 18}
